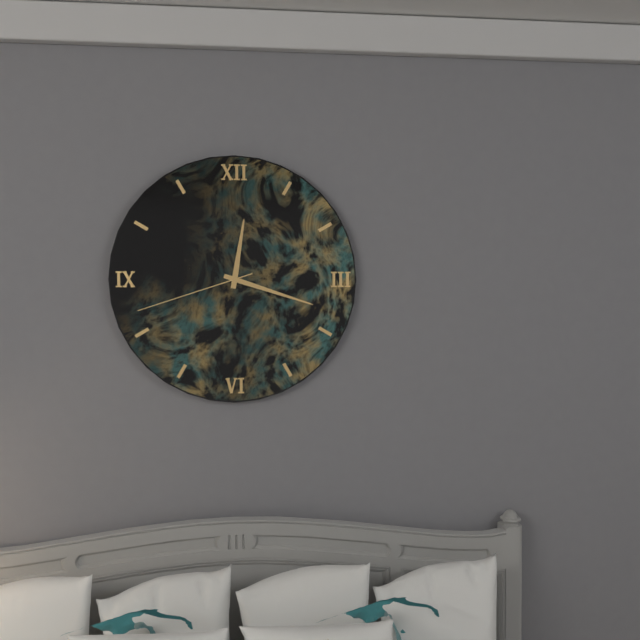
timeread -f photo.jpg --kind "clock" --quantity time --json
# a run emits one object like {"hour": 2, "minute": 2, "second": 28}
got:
{"hour": 12, "minute": 18, "second": 42}
